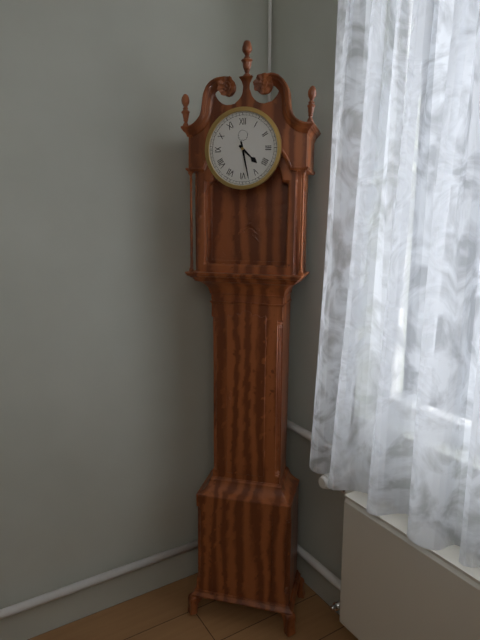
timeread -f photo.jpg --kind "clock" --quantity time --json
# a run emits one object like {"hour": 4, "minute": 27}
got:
{"hour": 4, "minute": 28}
